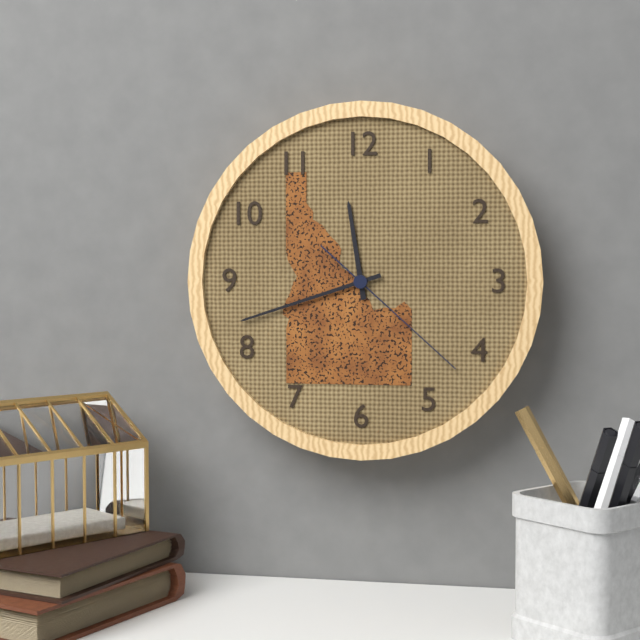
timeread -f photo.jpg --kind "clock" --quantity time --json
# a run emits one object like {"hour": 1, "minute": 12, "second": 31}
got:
{"hour": 11, "minute": 42, "second": 22}
